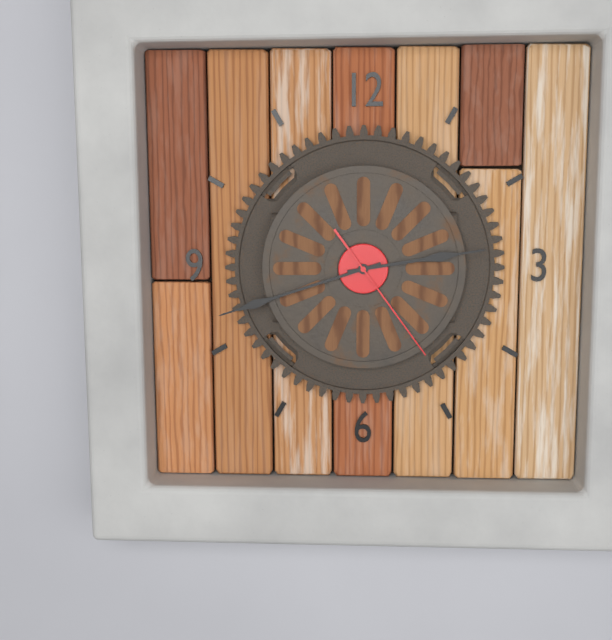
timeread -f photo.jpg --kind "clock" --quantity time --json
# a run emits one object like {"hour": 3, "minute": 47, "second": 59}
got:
{"hour": 2, "minute": 42, "second": 24}
